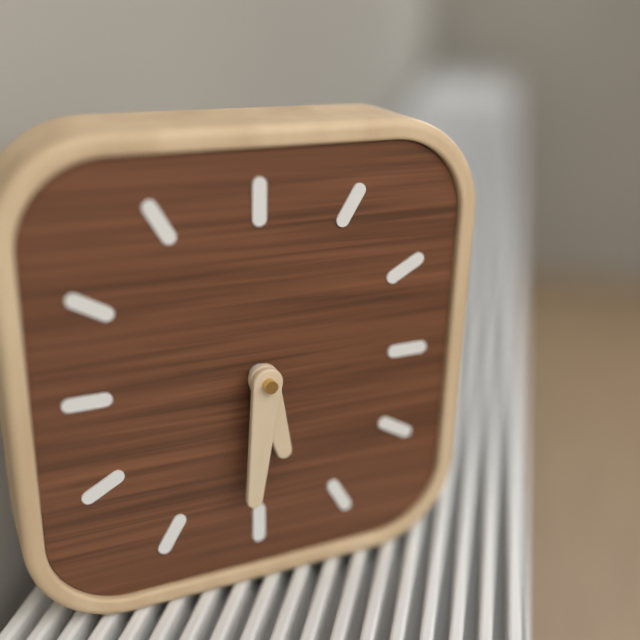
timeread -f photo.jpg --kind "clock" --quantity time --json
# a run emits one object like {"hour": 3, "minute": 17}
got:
{"hour": 5, "minute": 31}
